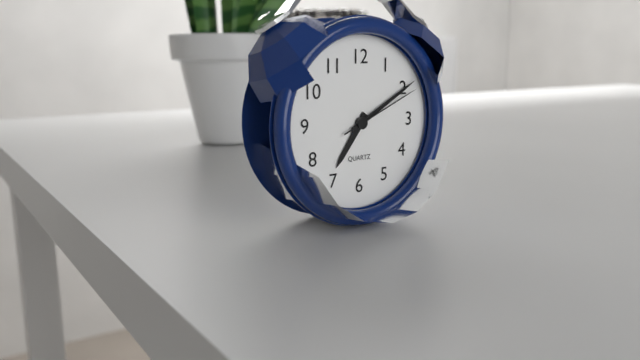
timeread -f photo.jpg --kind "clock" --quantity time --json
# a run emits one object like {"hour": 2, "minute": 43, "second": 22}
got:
{"hour": 7, "minute": 10, "second": 11}
